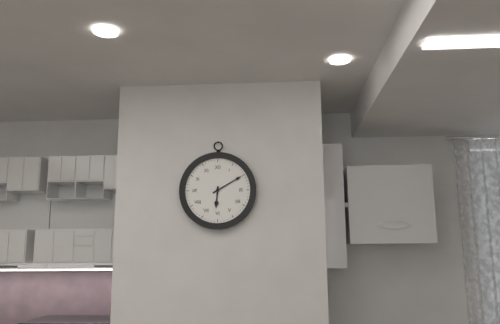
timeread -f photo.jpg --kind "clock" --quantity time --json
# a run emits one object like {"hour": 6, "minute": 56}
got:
{"hour": 6, "minute": 10}
